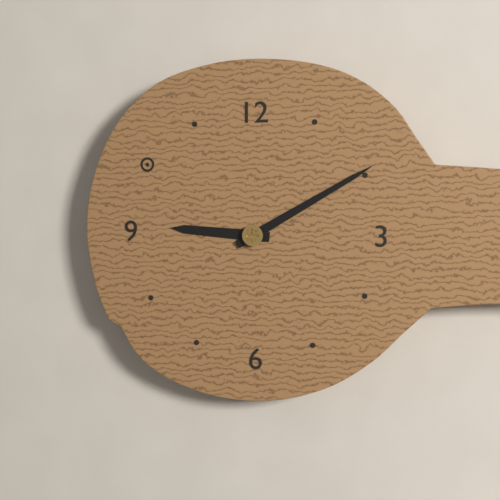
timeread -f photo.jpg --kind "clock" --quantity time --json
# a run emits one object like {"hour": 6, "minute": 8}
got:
{"hour": 9, "minute": 10}
